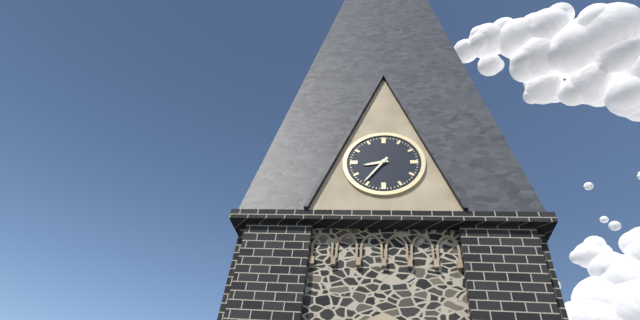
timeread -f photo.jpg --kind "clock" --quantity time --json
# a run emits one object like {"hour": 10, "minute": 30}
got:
{"hour": 8, "minute": 36}
